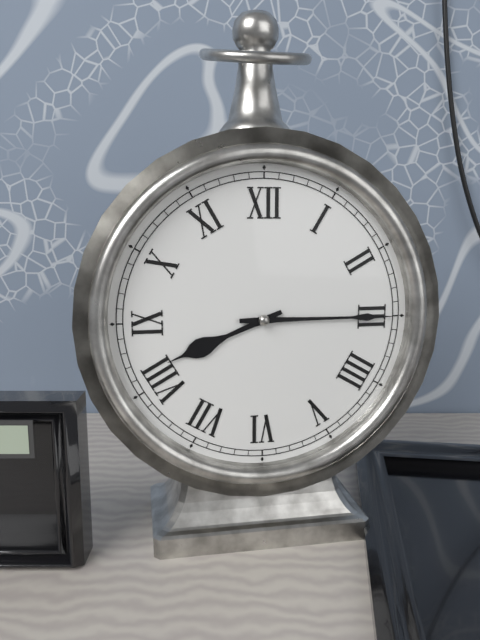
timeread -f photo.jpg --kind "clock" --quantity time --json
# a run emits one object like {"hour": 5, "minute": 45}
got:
{"hour": 8, "minute": 15}
